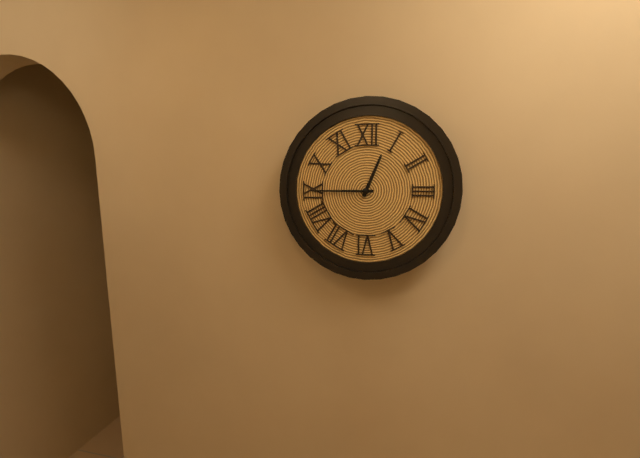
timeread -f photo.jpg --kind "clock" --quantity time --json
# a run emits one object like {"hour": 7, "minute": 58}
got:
{"hour": 12, "minute": 45}
